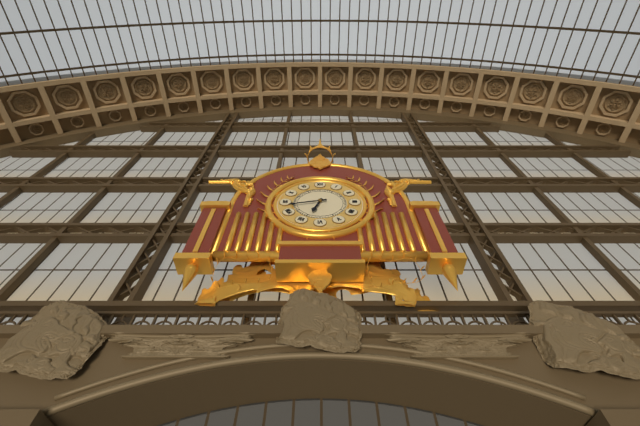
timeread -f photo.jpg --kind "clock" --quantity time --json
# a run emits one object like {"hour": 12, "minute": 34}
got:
{"hour": 6, "minute": 43}
